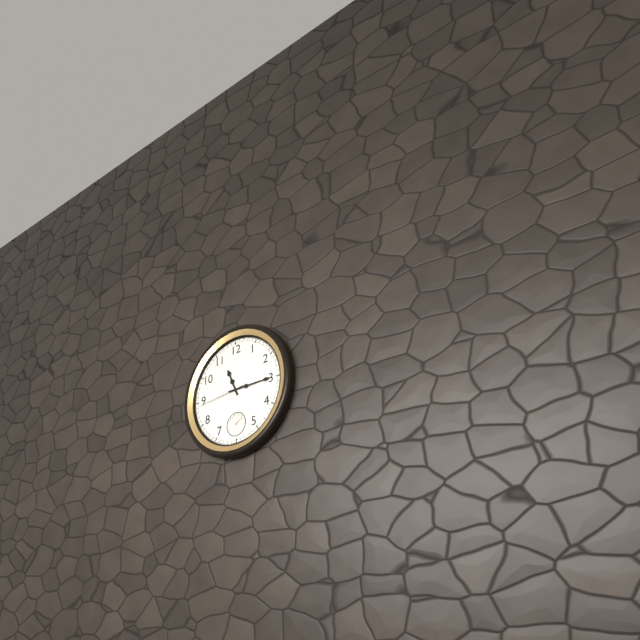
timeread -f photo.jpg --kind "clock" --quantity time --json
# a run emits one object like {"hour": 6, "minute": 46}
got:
{"hour": 11, "minute": 15}
